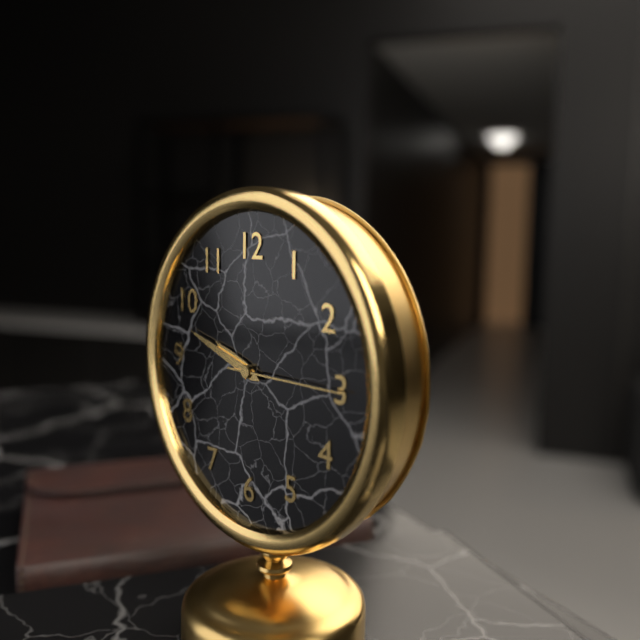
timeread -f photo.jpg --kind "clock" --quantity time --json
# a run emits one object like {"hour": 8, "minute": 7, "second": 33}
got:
{"hour": 9, "minute": 48, "second": 15}
